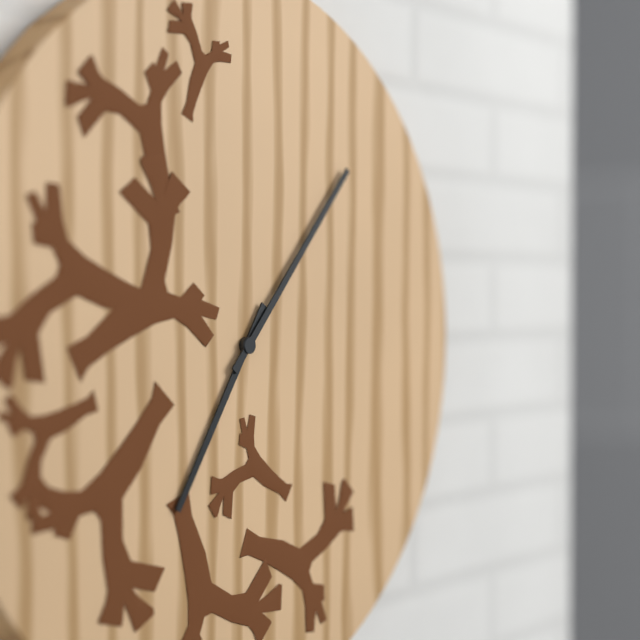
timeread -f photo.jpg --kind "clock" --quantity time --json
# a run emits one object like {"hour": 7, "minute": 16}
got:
{"hour": 7, "minute": 7}
